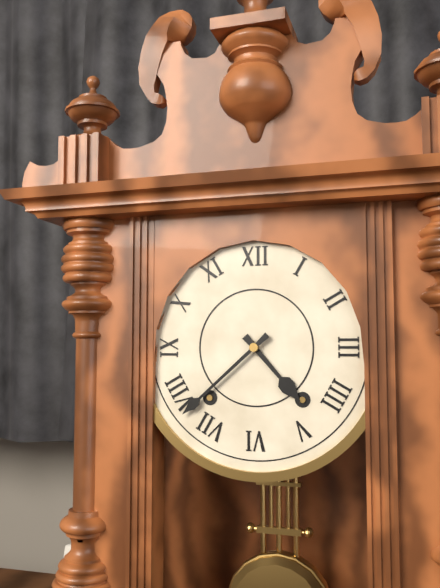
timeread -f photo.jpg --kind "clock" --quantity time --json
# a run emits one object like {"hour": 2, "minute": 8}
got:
{"hour": 4, "minute": 38}
